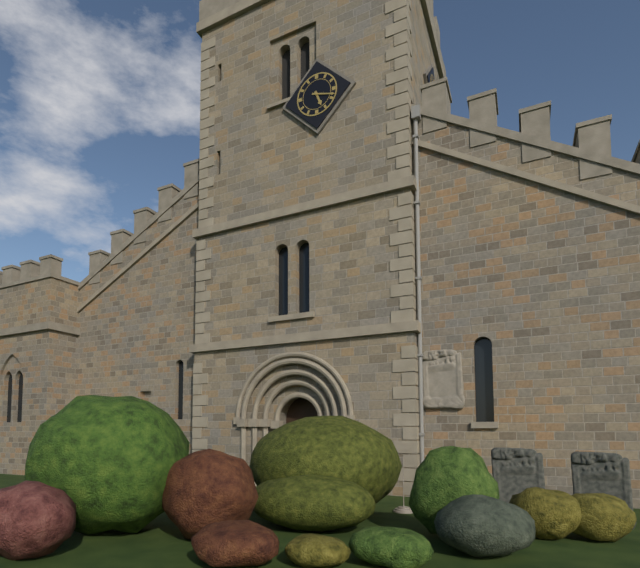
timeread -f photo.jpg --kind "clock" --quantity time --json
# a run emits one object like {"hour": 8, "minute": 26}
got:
{"hour": 5, "minute": 18}
